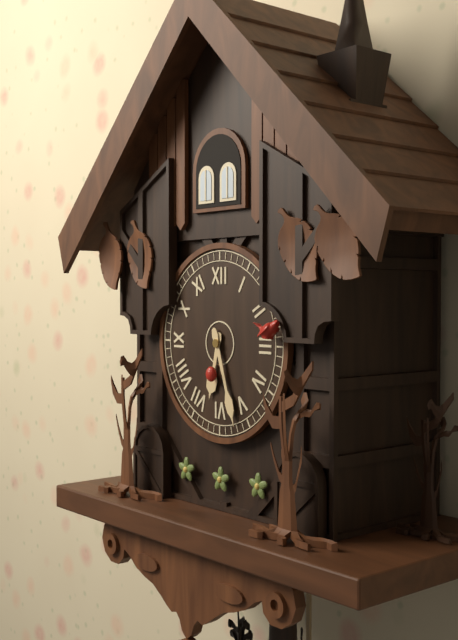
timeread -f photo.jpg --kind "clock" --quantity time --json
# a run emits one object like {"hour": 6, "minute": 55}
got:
{"hour": 6, "minute": 27}
